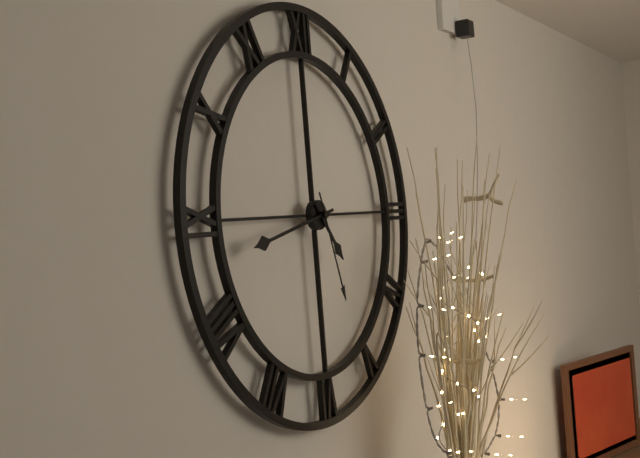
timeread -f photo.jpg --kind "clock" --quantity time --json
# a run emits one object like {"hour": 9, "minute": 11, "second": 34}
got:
{"hour": 4, "minute": 43, "second": 27}
